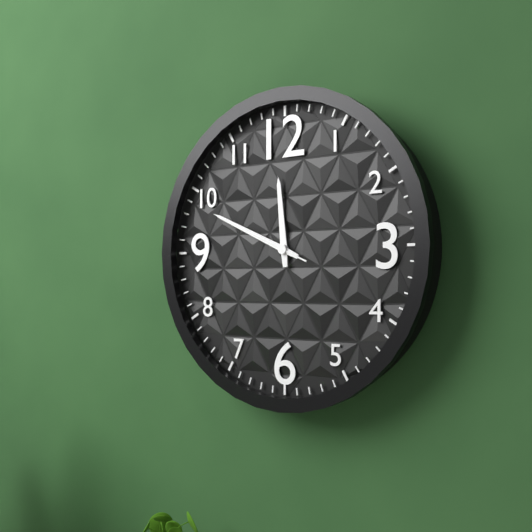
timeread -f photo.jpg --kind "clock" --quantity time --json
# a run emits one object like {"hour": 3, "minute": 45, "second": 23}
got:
{"hour": 11, "minute": 49, "second": 49}
